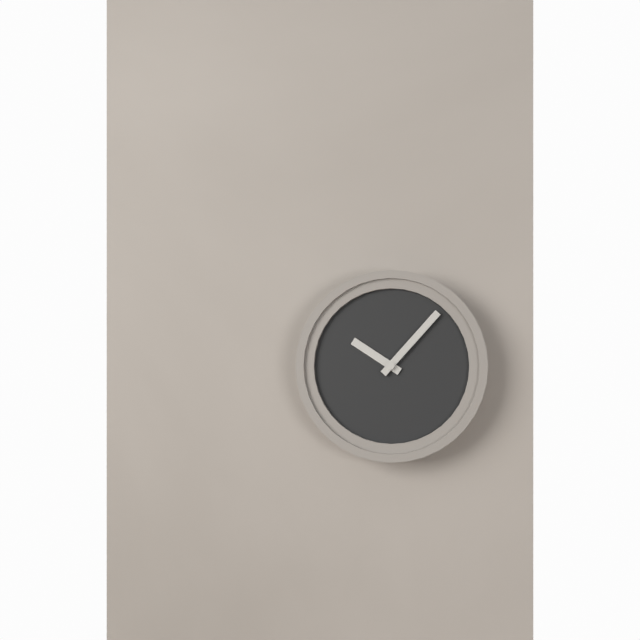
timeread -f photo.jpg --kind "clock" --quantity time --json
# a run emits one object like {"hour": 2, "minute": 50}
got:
{"hour": 10, "minute": 7}
